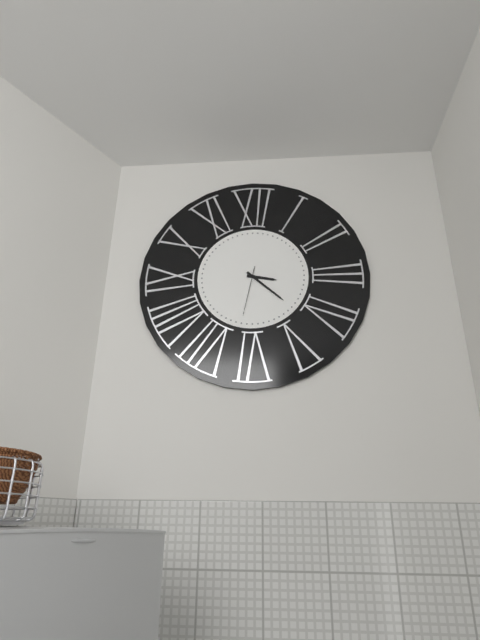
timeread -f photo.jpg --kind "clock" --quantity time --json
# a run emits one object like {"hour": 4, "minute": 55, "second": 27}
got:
{"hour": 3, "minute": 22, "second": 32}
